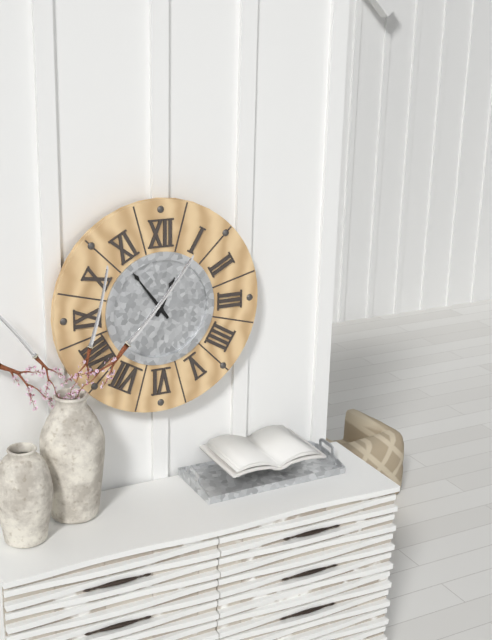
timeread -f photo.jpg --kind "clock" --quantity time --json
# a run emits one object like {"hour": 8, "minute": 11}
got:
{"hour": 12, "minute": 54}
